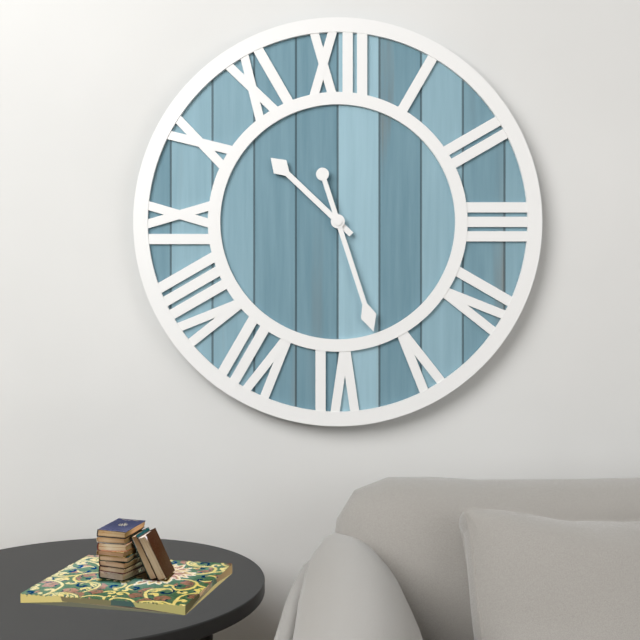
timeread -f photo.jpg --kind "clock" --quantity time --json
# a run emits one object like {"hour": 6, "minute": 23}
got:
{"hour": 10, "minute": 27}
